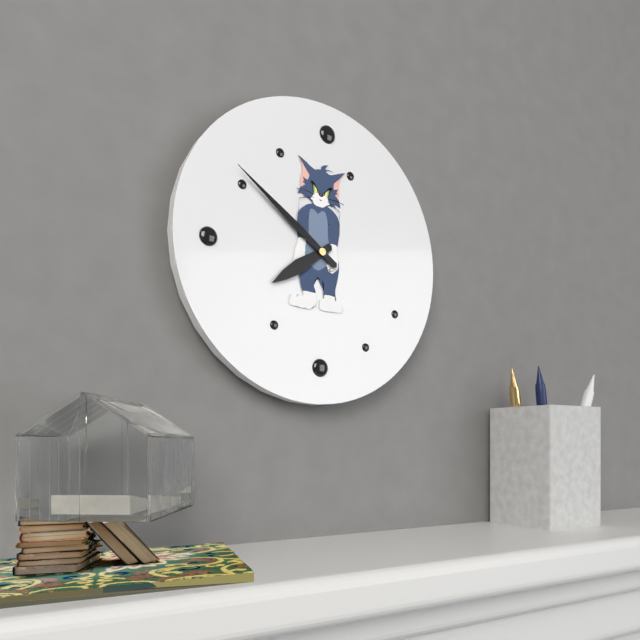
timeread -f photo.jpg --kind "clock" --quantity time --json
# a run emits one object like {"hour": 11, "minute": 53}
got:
{"hour": 7, "minute": 51}
